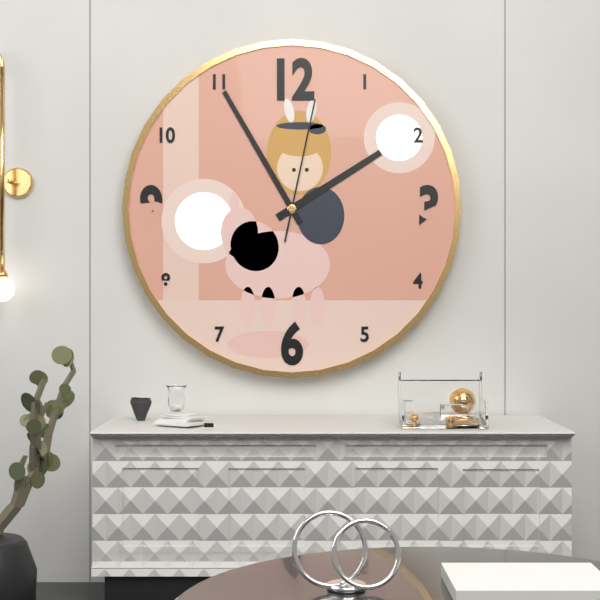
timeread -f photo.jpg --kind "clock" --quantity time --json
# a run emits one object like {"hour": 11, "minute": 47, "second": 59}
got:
{"hour": 1, "minute": 55, "second": 2}
